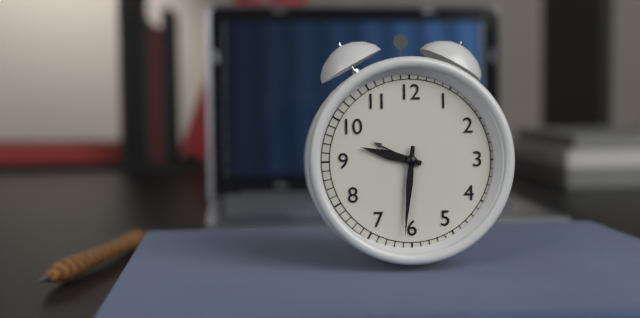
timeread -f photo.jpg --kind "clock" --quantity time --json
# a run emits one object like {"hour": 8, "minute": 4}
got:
{"hour": 9, "minute": 31}
